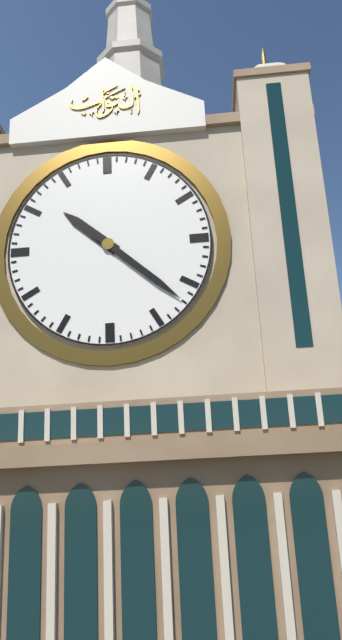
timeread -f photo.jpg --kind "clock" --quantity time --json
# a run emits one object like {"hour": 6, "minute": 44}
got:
{"hour": 10, "minute": 22}
